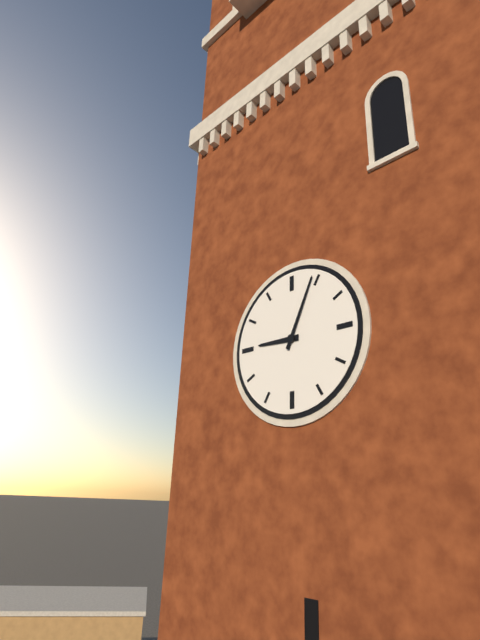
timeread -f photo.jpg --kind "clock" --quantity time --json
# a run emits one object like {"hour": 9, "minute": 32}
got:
{"hour": 9, "minute": 4}
